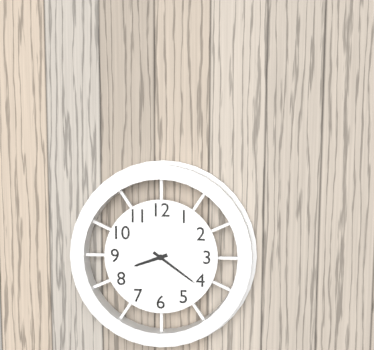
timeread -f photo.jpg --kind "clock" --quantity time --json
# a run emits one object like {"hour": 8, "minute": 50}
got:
{"hour": 8, "minute": 21}
